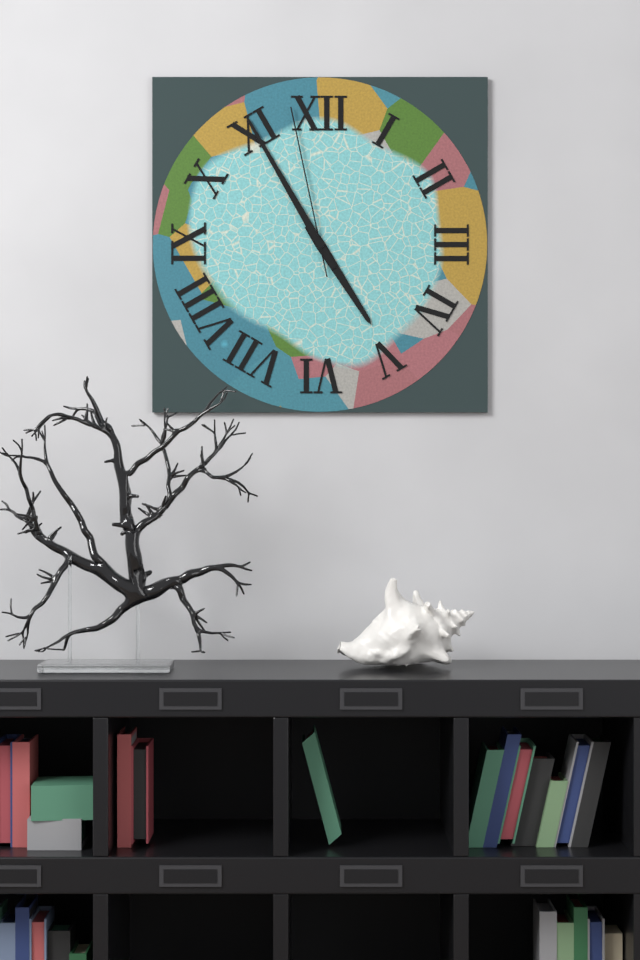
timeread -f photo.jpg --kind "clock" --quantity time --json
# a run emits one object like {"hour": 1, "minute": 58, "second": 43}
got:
{"hour": 4, "minute": 55, "second": 58}
